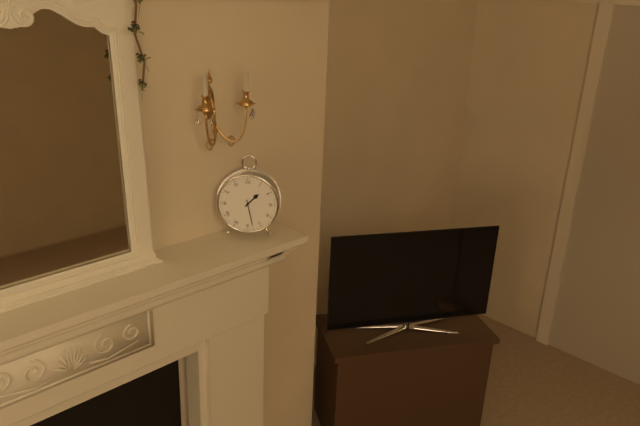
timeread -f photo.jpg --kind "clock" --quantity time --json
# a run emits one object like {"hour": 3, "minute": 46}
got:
{"hour": 1, "minute": 28}
